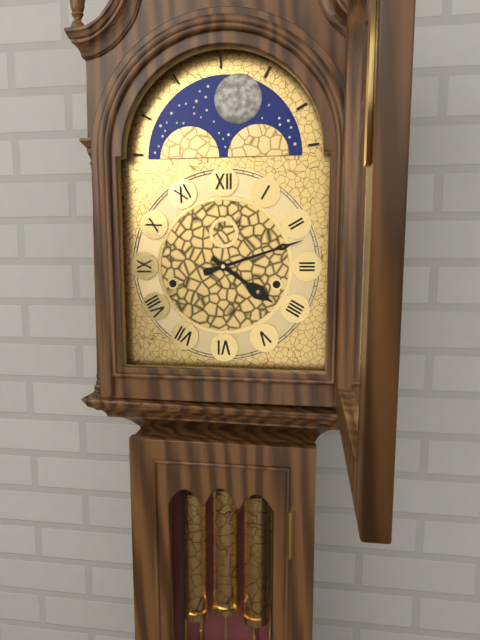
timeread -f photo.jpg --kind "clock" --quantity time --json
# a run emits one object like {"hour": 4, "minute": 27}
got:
{"hour": 4, "minute": 12}
